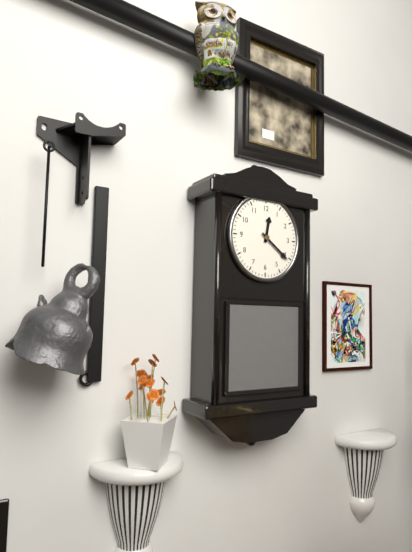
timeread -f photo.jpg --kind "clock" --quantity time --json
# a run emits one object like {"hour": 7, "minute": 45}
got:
{"hour": 12, "minute": 21}
